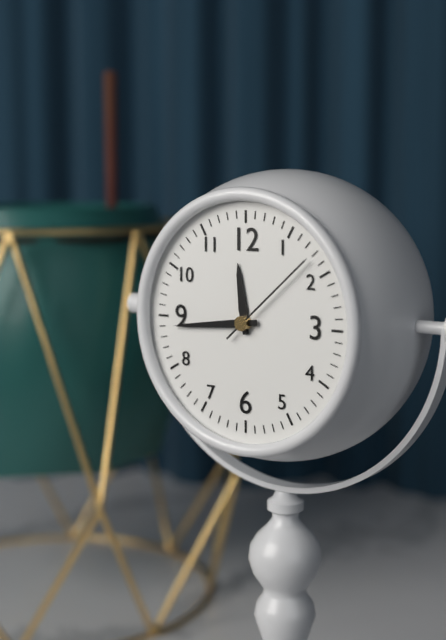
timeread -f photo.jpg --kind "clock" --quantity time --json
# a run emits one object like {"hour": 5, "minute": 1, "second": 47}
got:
{"hour": 11, "minute": 44, "second": 8}
